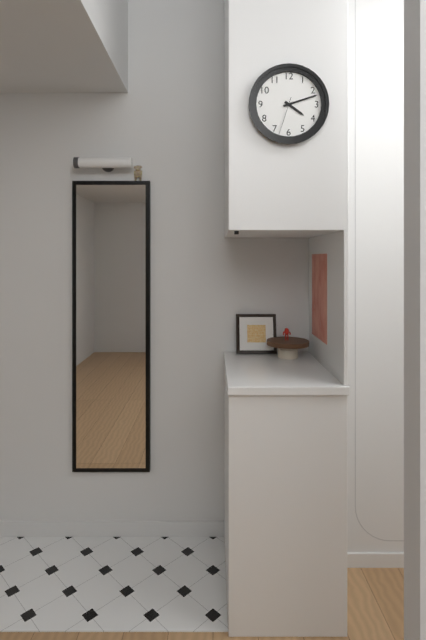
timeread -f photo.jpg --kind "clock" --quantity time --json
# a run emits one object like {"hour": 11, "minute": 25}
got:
{"hour": 4, "minute": 12}
